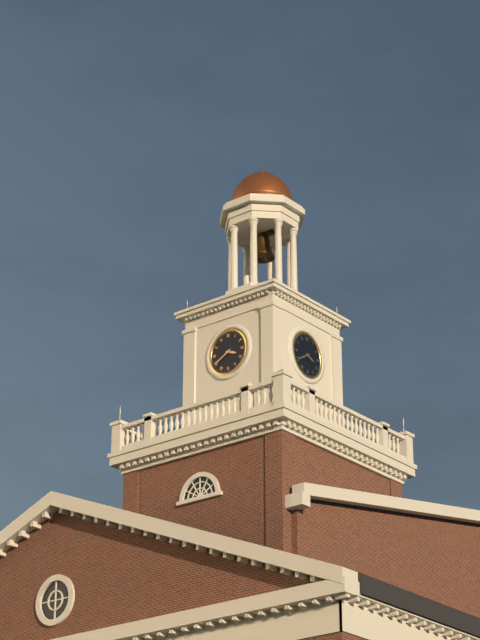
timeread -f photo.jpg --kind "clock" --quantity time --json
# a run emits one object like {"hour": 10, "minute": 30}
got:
{"hour": 3, "minute": 40}
